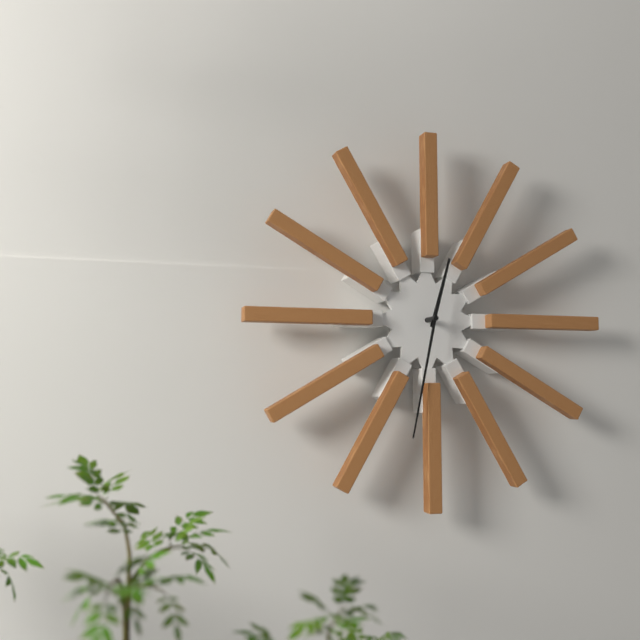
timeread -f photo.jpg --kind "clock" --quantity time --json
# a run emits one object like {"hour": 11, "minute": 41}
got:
{"hour": 12, "minute": 32}
